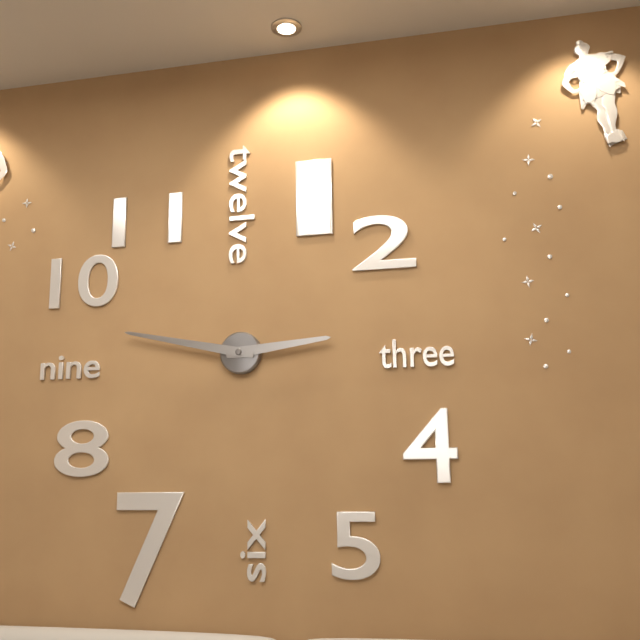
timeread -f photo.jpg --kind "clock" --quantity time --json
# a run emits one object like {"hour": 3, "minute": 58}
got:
{"hour": 2, "minute": 47}
